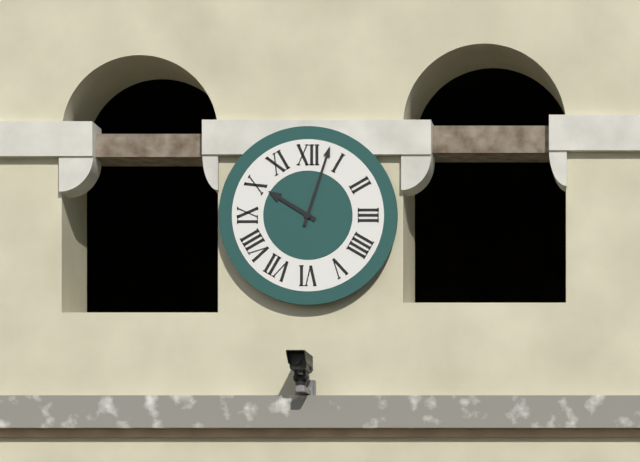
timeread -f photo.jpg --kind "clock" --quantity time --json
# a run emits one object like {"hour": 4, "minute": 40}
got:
{"hour": 10, "minute": 3}
